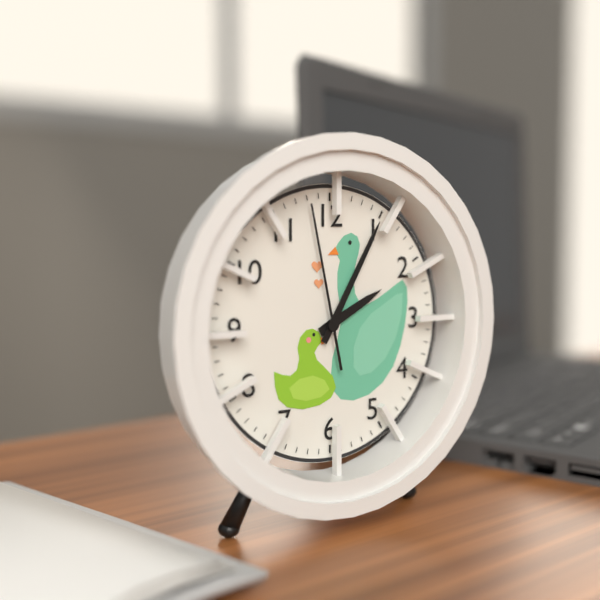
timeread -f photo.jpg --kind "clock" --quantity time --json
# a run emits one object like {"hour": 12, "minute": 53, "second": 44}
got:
{"hour": 2, "minute": 5, "second": 58}
